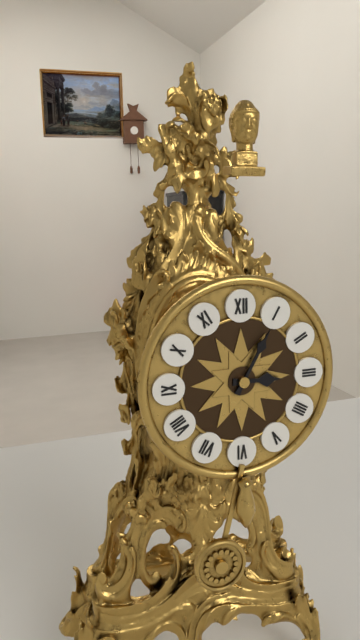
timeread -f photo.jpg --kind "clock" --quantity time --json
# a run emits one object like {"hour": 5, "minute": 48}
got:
{"hour": 3, "minute": 5}
